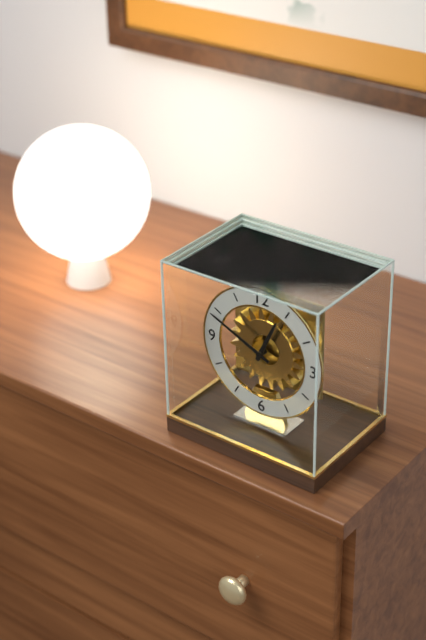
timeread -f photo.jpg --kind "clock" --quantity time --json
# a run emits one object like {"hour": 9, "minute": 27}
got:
{"hour": 12, "minute": 49}
